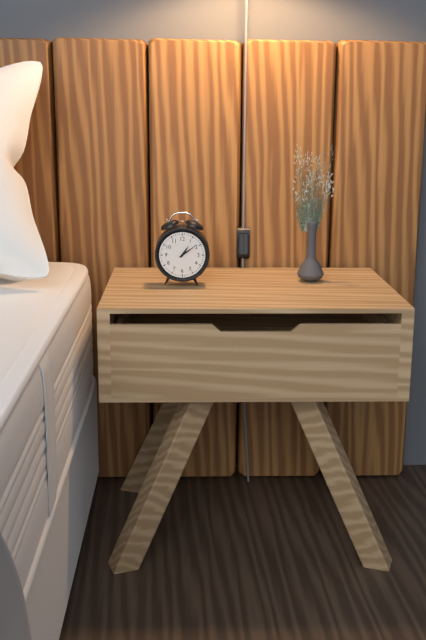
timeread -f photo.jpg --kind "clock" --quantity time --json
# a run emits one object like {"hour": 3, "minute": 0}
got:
{"hour": 1, "minute": 9}
